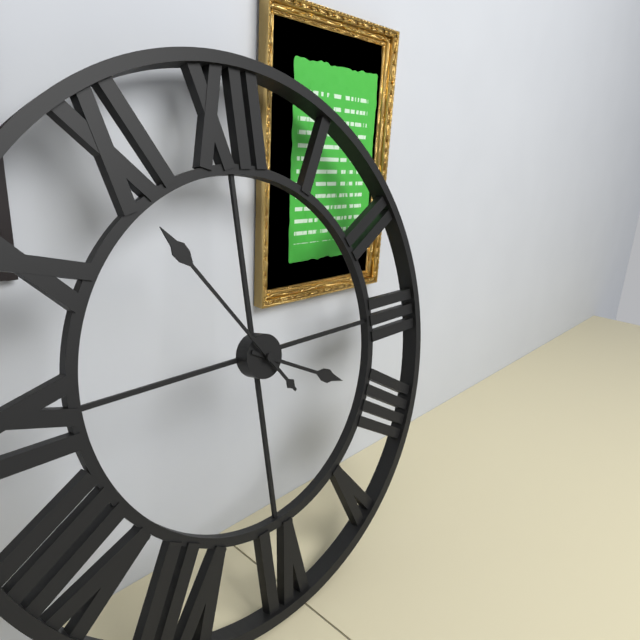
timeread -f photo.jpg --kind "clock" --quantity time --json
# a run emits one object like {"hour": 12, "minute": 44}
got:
{"hour": 3, "minute": 54}
